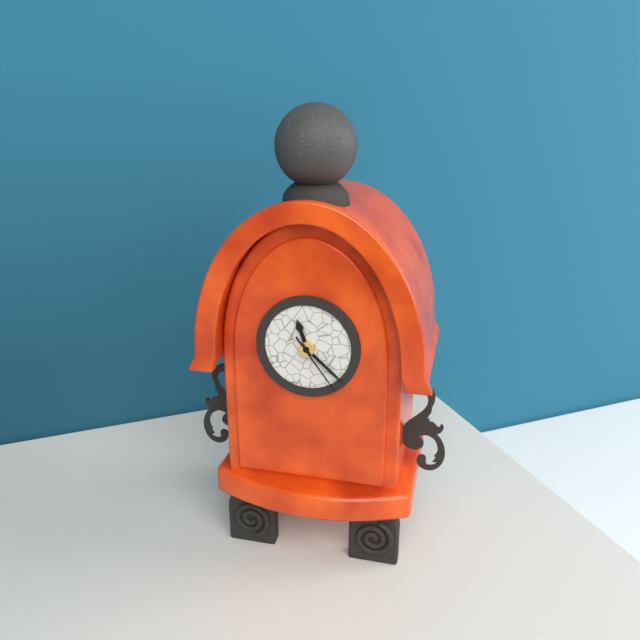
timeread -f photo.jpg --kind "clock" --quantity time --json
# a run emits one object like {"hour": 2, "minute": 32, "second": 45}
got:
{"hour": 11, "minute": 22, "second": 24}
